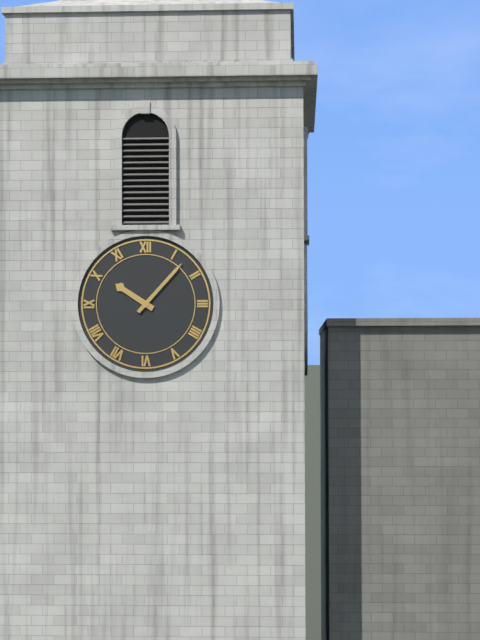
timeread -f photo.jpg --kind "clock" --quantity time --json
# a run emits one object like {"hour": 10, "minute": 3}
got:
{"hour": 10, "minute": 7}
